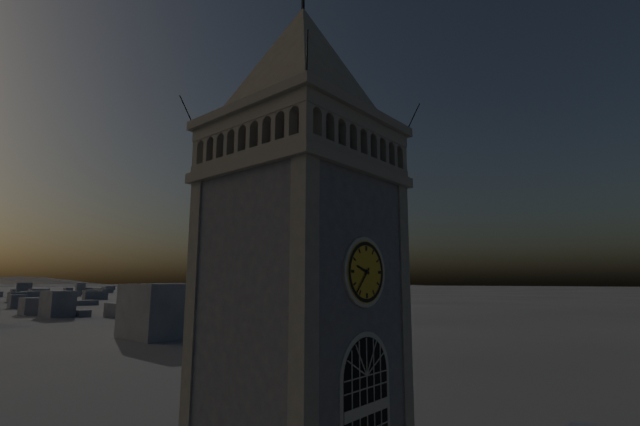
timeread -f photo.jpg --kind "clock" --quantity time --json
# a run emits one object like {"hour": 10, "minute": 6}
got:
{"hour": 9, "minute": 37}
